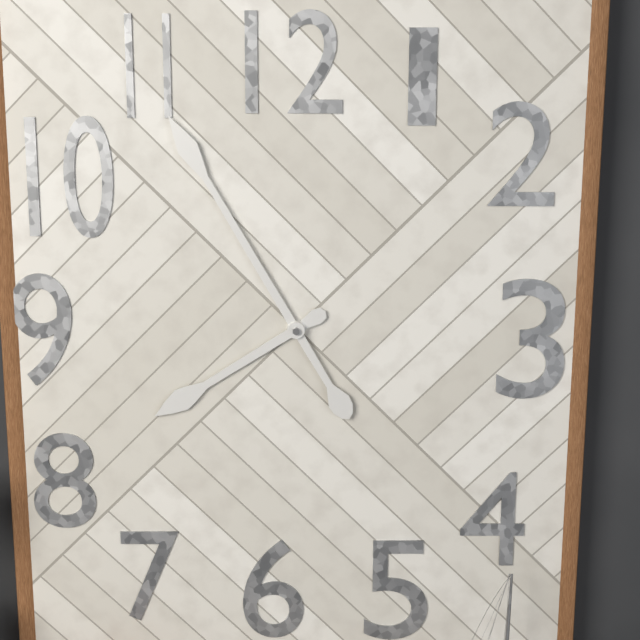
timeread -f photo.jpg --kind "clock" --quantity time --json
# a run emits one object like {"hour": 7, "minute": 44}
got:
{"hour": 7, "minute": 55}
